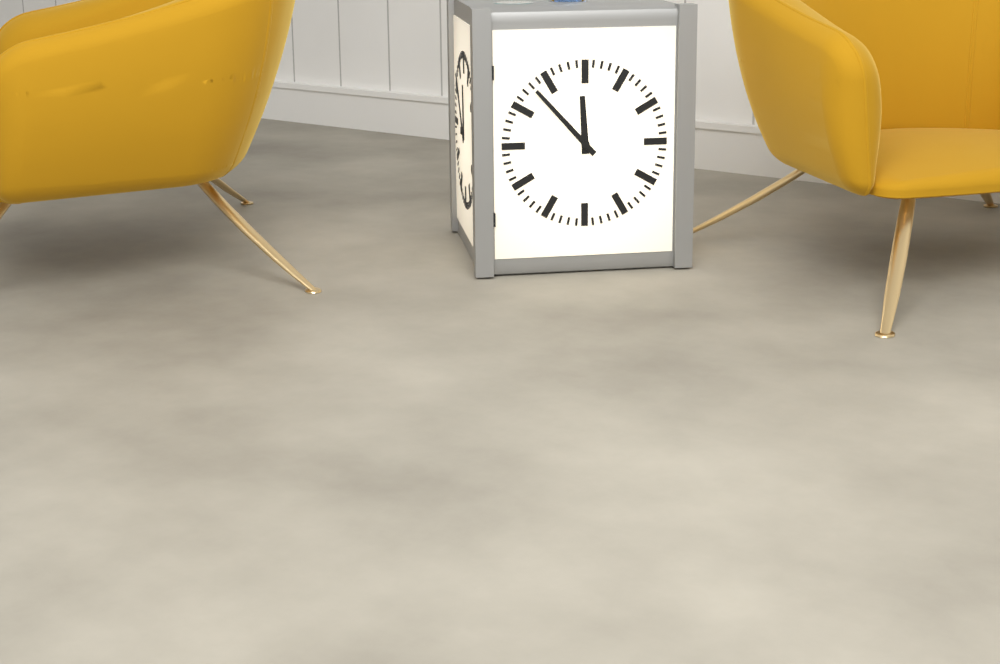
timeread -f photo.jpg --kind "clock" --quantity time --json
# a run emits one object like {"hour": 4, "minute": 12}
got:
{"hour": 11, "minute": 53}
